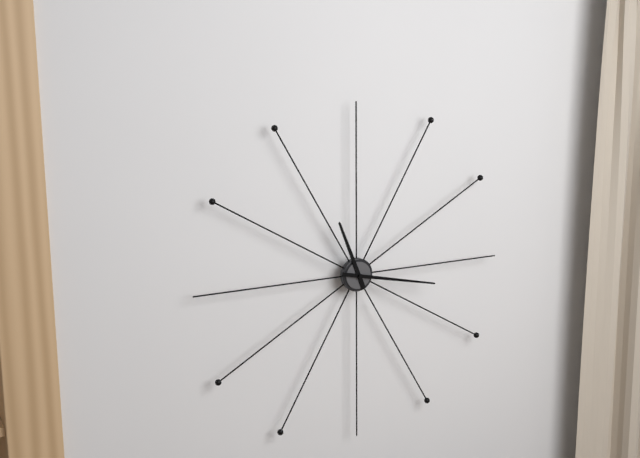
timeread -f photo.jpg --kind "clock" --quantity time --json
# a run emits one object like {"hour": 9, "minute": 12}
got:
{"hour": 11, "minute": 17}
